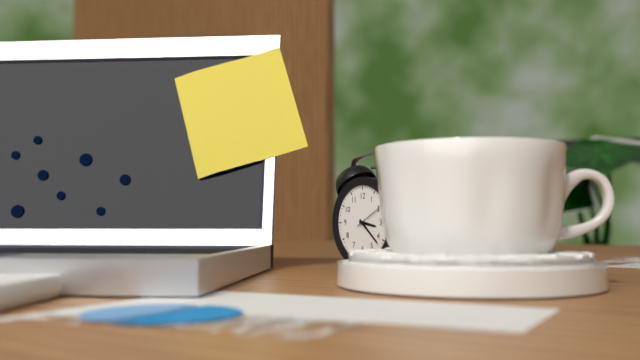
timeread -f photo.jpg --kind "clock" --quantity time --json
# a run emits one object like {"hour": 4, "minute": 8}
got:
{"hour": 3, "minute": 22}
